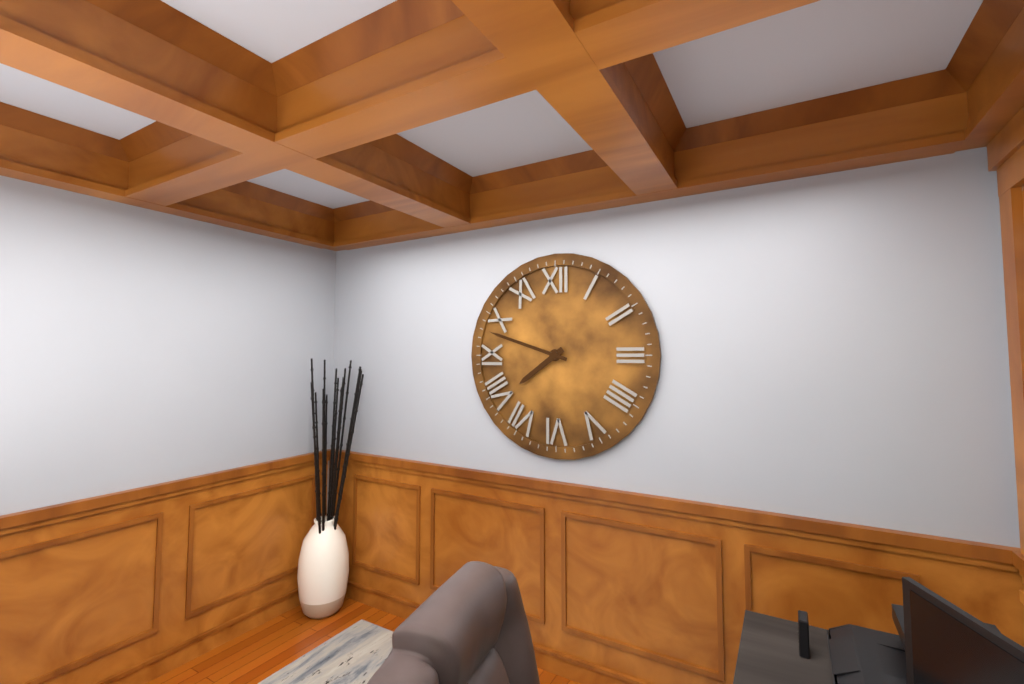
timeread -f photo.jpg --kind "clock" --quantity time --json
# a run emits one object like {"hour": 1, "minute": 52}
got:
{"hour": 7, "minute": 48}
